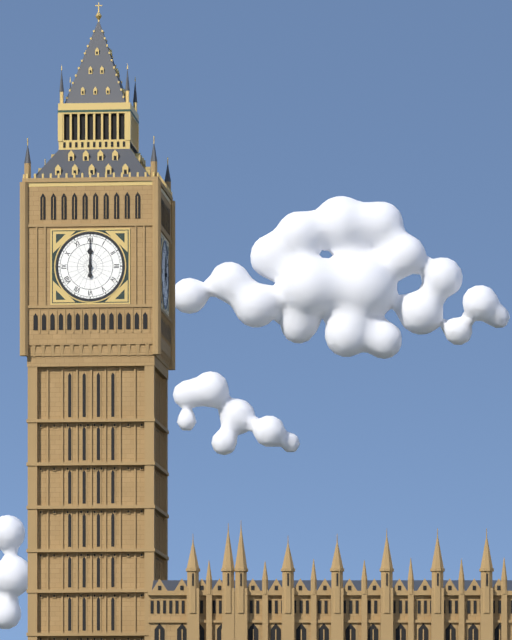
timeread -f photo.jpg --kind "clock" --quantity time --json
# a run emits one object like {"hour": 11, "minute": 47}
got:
{"hour": 12, "minute": 0}
